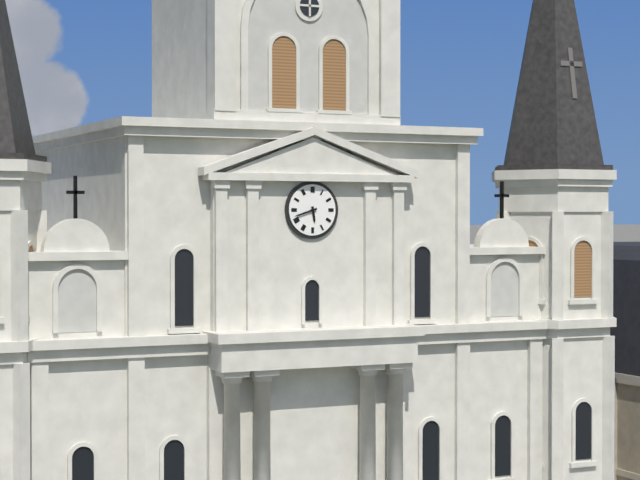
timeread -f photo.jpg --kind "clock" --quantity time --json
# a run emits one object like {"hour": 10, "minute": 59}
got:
{"hour": 5, "minute": 42}
